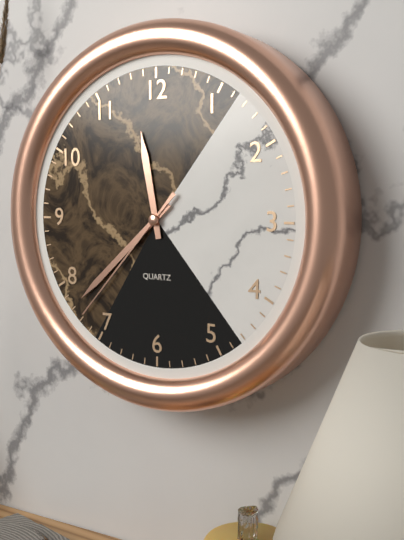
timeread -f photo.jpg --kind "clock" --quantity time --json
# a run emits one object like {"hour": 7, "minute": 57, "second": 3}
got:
{"hour": 11, "minute": 38, "second": 37}
